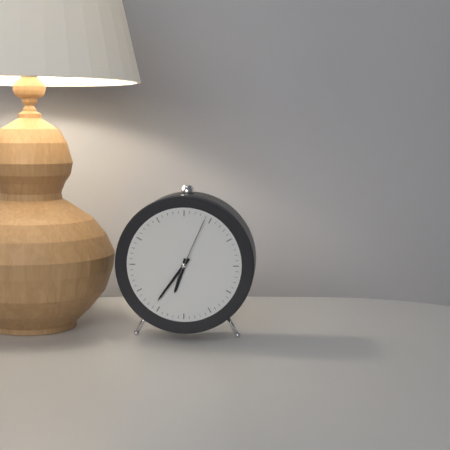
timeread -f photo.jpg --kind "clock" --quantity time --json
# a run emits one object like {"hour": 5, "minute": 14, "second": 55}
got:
{"hour": 6, "minute": 36, "second": 4}
